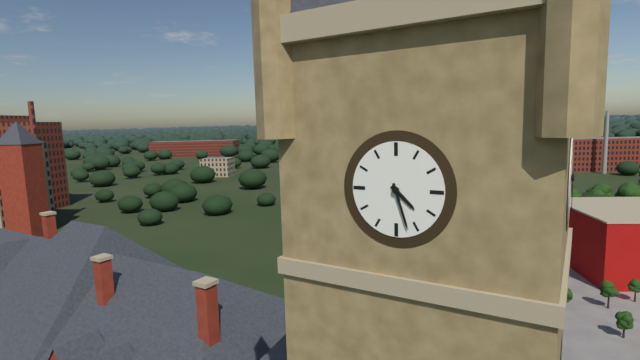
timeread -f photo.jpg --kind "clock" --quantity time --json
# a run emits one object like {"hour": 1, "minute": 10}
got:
{"hour": 4, "minute": 27}
